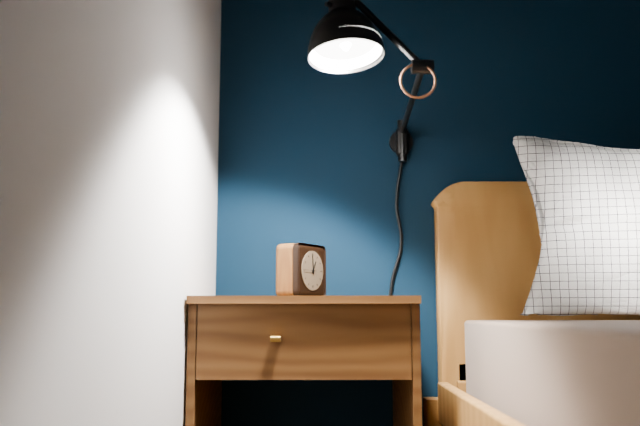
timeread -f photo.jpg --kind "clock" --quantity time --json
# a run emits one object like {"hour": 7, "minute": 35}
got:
{"hour": 12, "minute": 59}
